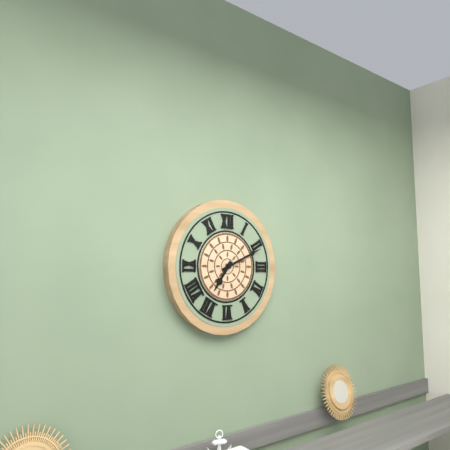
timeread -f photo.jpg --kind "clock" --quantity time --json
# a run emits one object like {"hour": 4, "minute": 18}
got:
{"hour": 7, "minute": 11}
